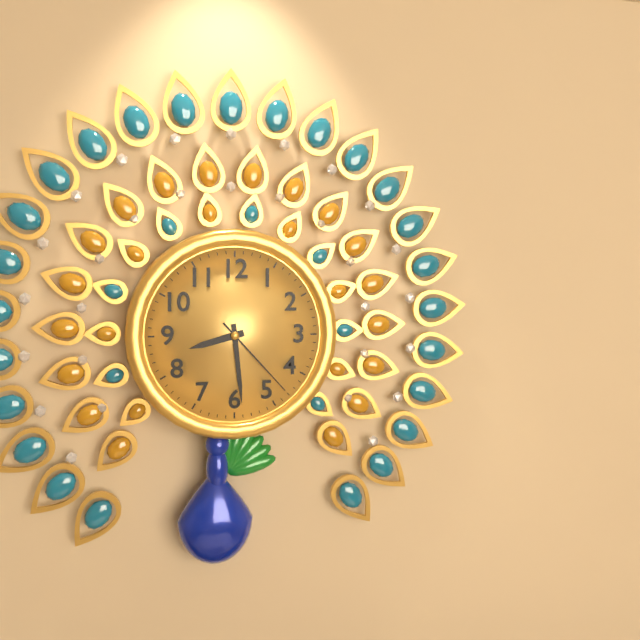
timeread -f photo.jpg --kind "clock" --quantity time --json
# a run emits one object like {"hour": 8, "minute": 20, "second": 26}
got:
{"hour": 8, "minute": 29, "second": 23}
